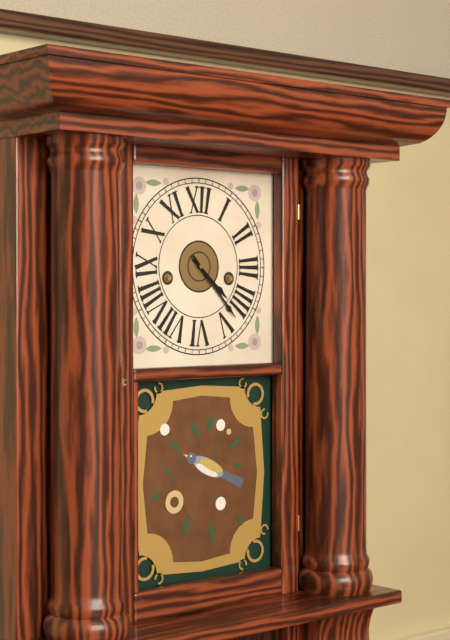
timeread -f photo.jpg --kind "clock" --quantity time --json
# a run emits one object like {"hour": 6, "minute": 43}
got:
{"hour": 4, "minute": 23}
